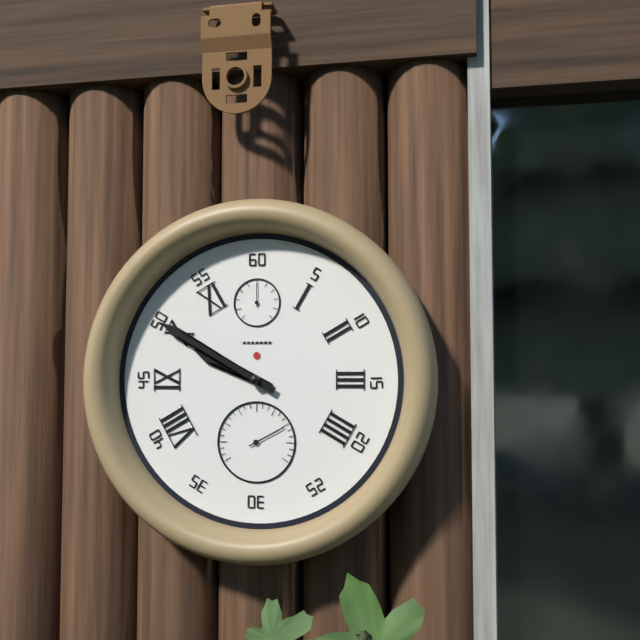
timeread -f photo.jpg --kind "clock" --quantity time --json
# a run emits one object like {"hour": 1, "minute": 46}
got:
{"hour": 9, "minute": 50}
